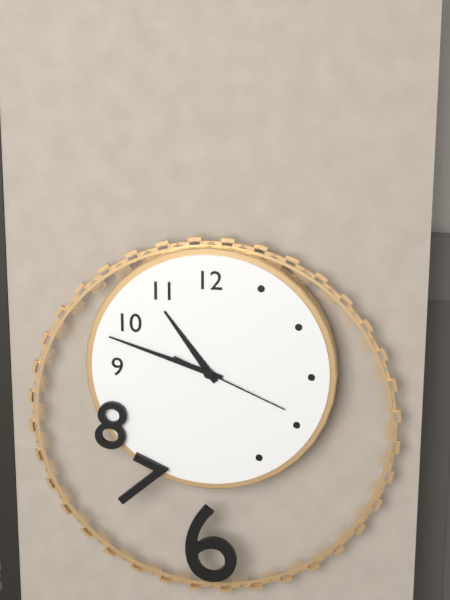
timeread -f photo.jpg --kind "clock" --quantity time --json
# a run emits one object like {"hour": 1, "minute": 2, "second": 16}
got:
{"hour": 10, "minute": 48, "second": 19}
